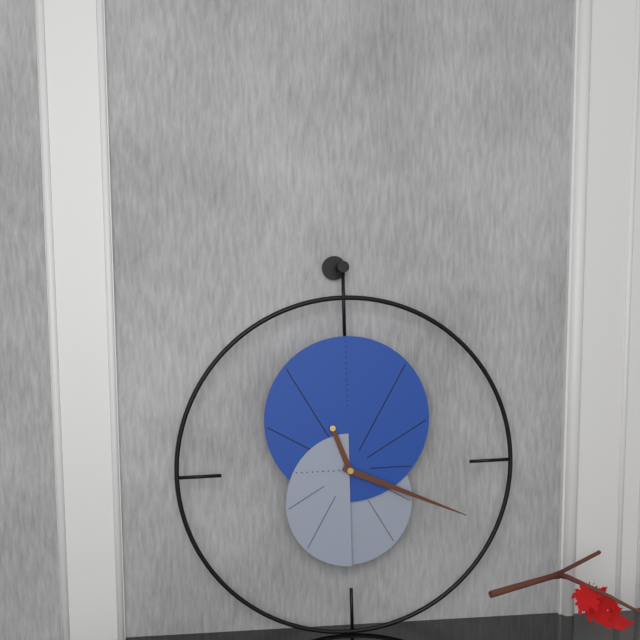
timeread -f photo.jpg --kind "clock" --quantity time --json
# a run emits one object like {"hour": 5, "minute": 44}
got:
{"hour": 11, "minute": 19}
